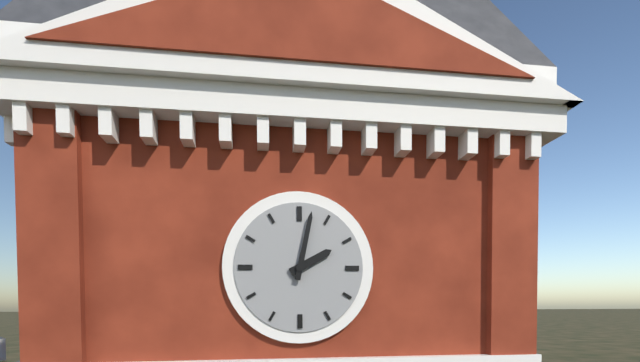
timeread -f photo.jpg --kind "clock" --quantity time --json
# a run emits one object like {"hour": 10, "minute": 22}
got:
{"hour": 2, "minute": 2}
